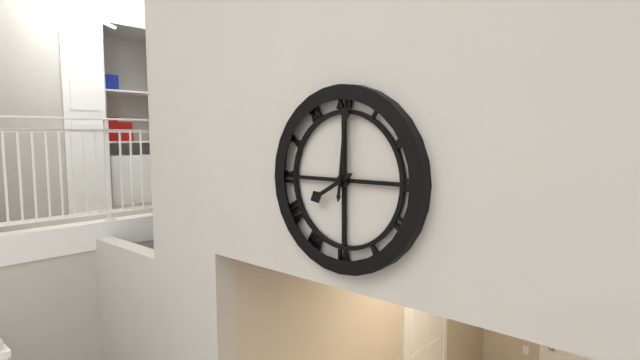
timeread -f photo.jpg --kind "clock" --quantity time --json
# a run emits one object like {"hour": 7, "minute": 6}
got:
{"hour": 8, "minute": 1}
